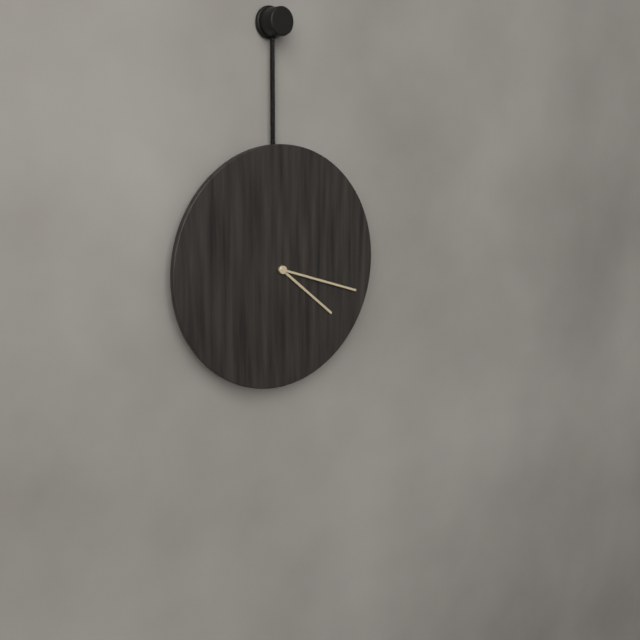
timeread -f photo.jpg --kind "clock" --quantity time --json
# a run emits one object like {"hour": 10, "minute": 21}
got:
{"hour": 4, "minute": 18}
